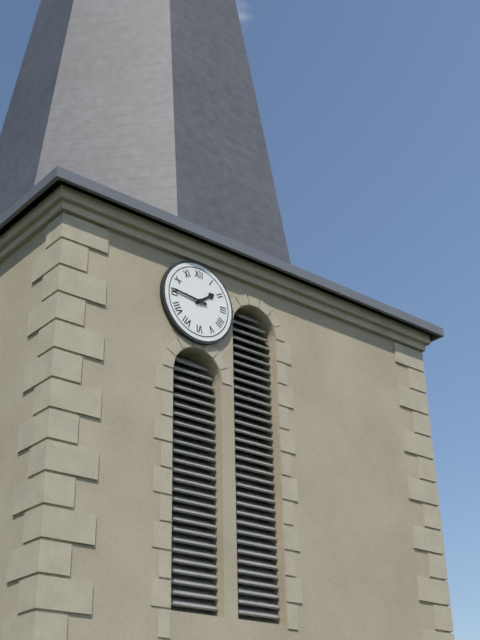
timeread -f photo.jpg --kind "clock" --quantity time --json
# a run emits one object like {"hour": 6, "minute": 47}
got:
{"hour": 1, "minute": 46}
